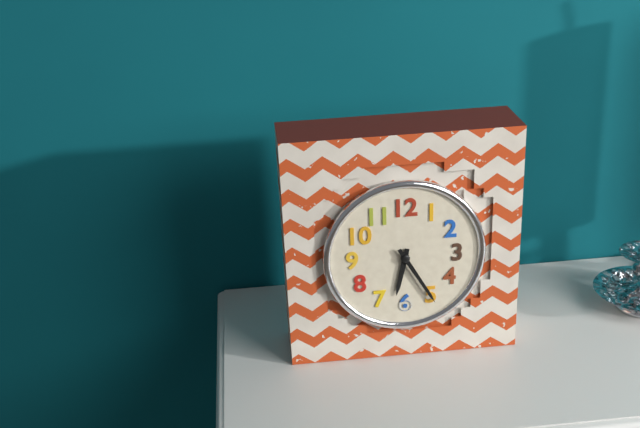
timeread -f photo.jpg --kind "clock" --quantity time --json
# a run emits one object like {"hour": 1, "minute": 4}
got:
{"hour": 6, "minute": 25}
